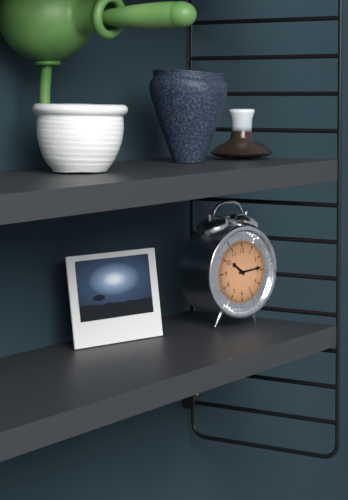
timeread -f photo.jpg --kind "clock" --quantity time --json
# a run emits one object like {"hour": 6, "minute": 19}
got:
{"hour": 10, "minute": 14}
